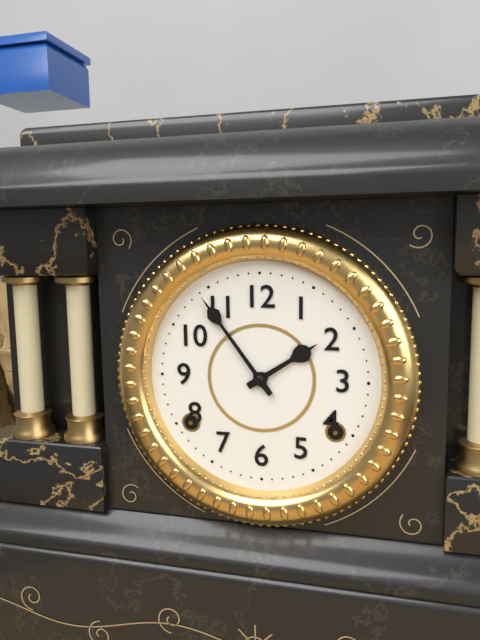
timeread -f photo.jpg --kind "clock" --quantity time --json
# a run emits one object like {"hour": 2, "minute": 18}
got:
{"hour": 1, "minute": 54}
